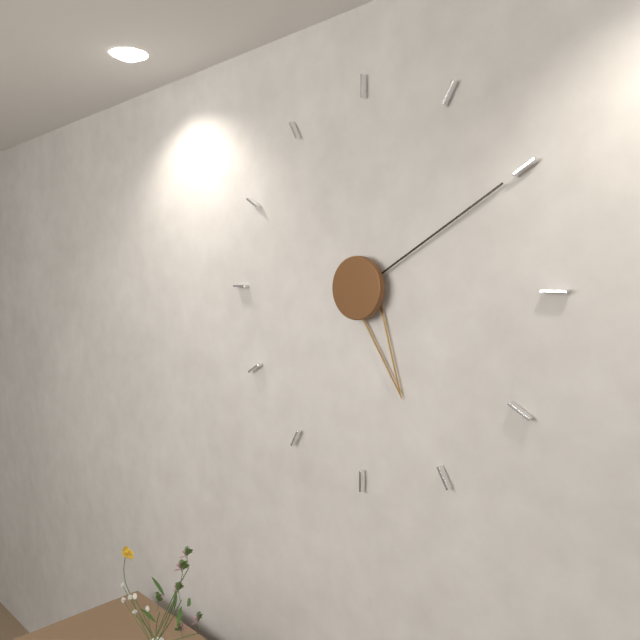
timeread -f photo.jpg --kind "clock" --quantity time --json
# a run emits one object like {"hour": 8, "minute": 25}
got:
{"hour": 5, "minute": 10}
